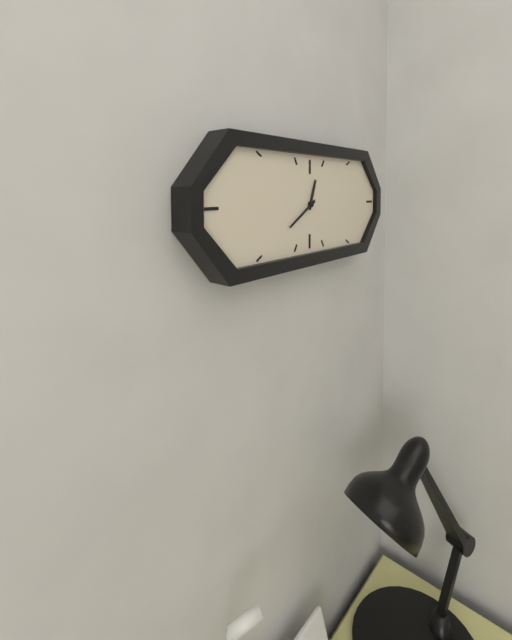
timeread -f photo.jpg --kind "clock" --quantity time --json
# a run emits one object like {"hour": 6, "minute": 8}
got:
{"hour": 12, "minute": 40}
